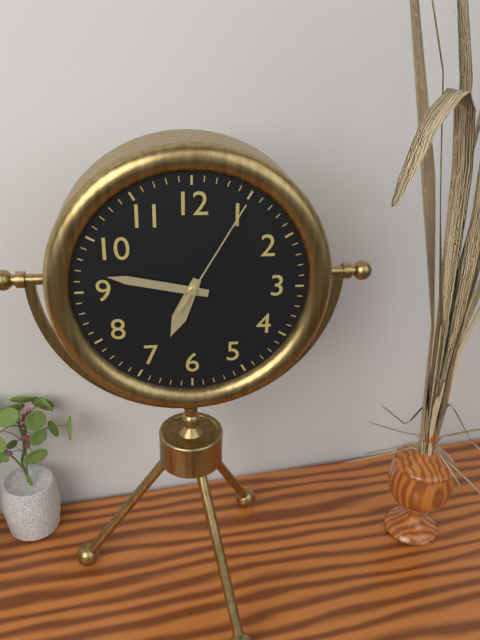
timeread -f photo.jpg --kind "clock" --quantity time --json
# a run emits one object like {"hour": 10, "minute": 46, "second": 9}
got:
{"hour": 6, "minute": 47, "second": 5}
